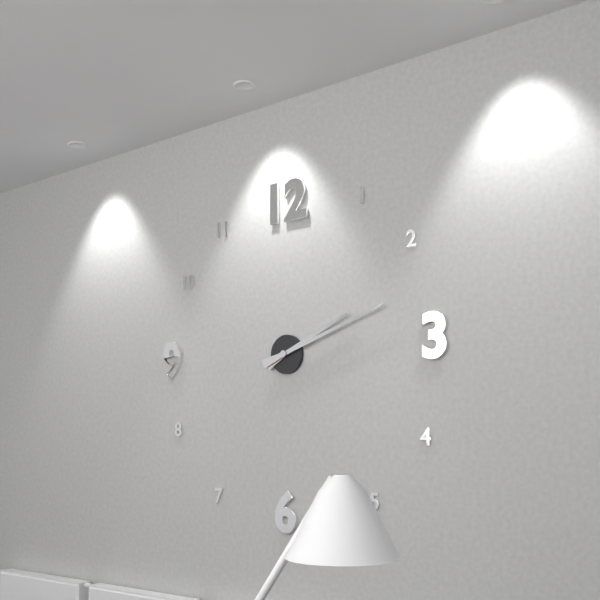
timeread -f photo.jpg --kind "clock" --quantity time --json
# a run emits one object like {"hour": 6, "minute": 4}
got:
{"hour": 2, "minute": 12}
